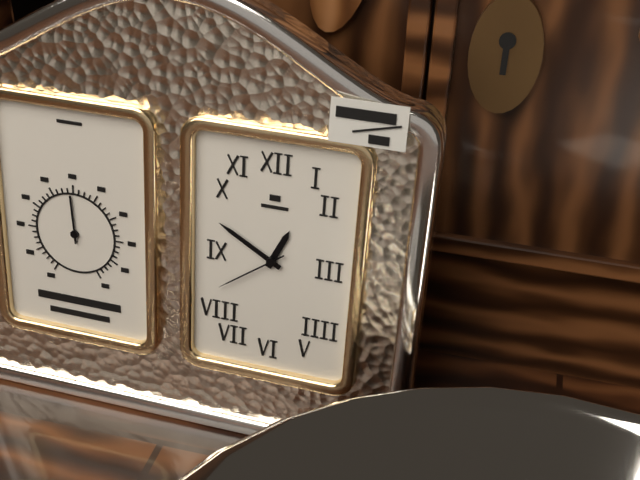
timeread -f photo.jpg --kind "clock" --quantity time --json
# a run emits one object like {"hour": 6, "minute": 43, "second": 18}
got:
{"hour": 12, "minute": 50, "second": 39}
